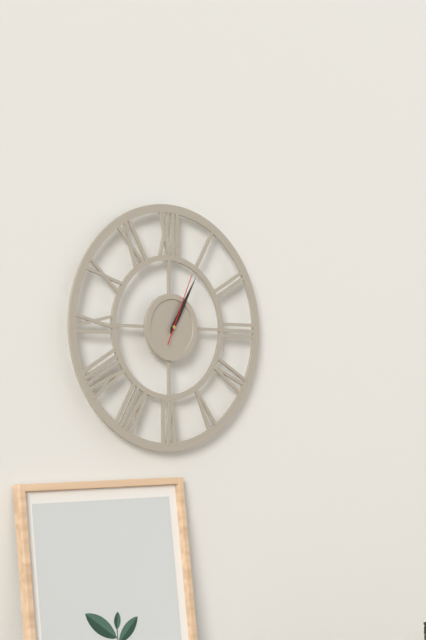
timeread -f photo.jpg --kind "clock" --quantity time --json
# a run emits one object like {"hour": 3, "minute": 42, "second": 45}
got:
{"hour": 1, "minute": 5, "second": 4}
